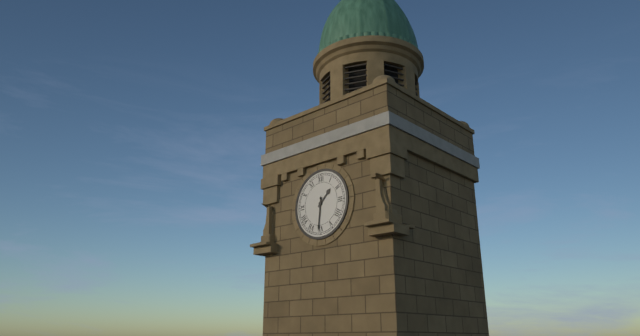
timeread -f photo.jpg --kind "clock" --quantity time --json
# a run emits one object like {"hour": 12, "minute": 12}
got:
{"hour": 1, "minute": 31}
